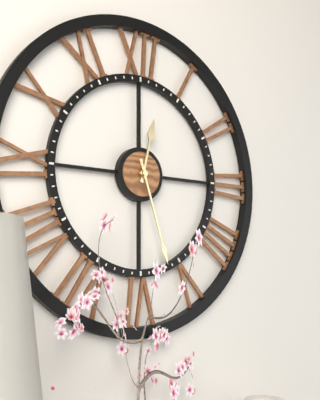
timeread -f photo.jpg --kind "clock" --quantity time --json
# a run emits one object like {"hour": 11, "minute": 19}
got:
{"hour": 12, "minute": 27}
